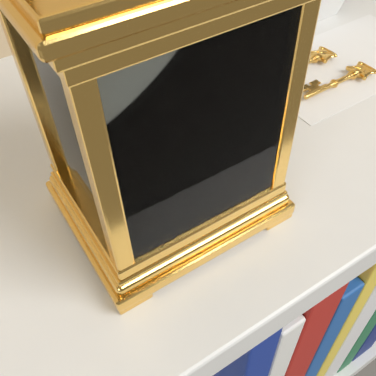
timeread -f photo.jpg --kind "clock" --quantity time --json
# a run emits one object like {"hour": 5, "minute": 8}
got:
{"hour": 5, "minute": 45}
